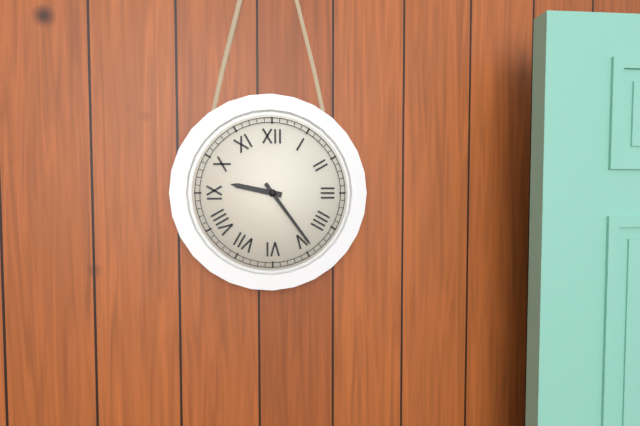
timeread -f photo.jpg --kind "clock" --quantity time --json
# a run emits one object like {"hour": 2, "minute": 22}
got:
{"hour": 9, "minute": 24}
